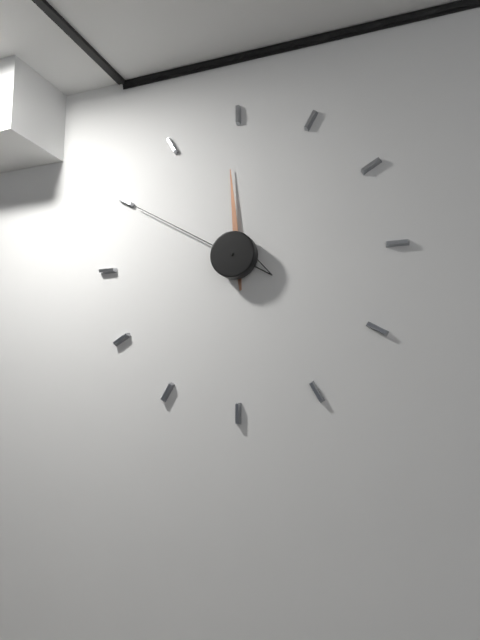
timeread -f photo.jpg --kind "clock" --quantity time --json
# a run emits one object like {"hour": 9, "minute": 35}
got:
{"hour": 11, "minute": 50}
